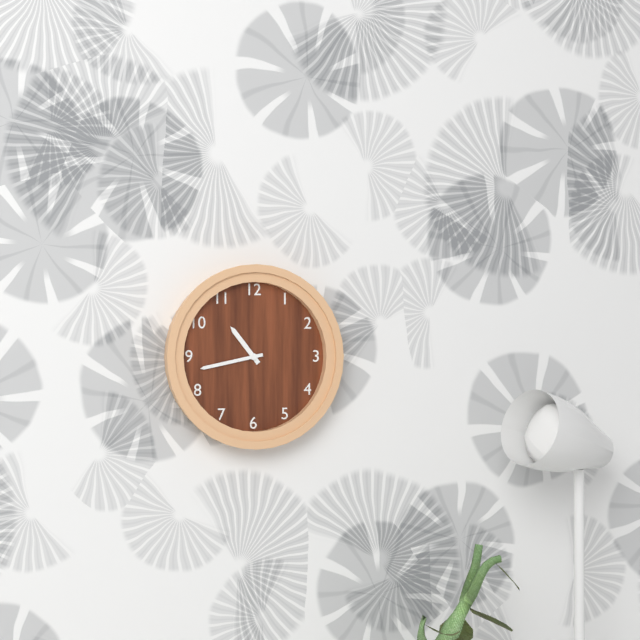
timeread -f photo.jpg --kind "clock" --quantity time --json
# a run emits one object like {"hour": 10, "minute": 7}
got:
{"hour": 10, "minute": 43}
